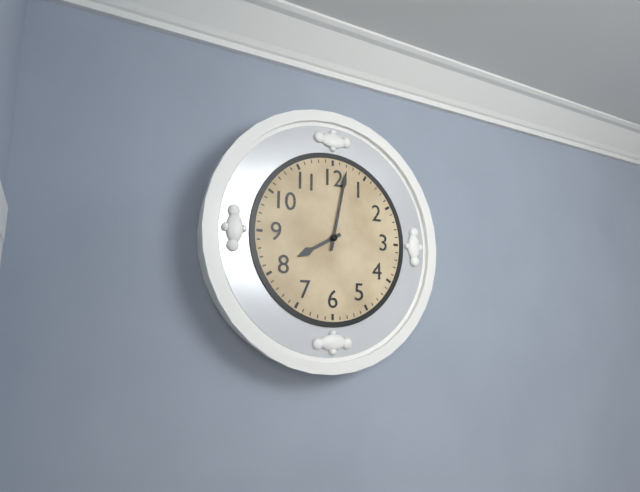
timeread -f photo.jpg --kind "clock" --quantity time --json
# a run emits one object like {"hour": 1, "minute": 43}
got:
{"hour": 8, "minute": 2}
